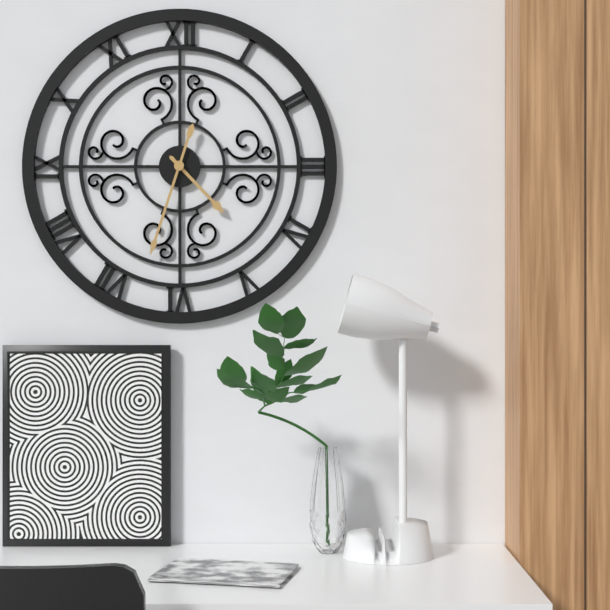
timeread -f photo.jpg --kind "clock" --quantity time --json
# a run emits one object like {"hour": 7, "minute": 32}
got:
{"hour": 4, "minute": 33}
